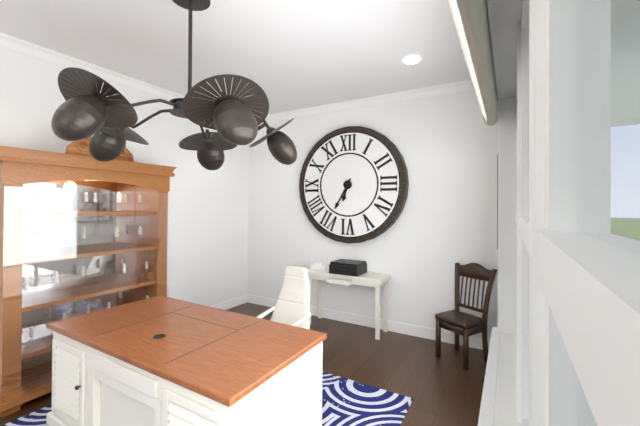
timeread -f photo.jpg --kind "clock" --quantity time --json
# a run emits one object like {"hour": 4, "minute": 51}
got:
{"hour": 6, "minute": 35}
